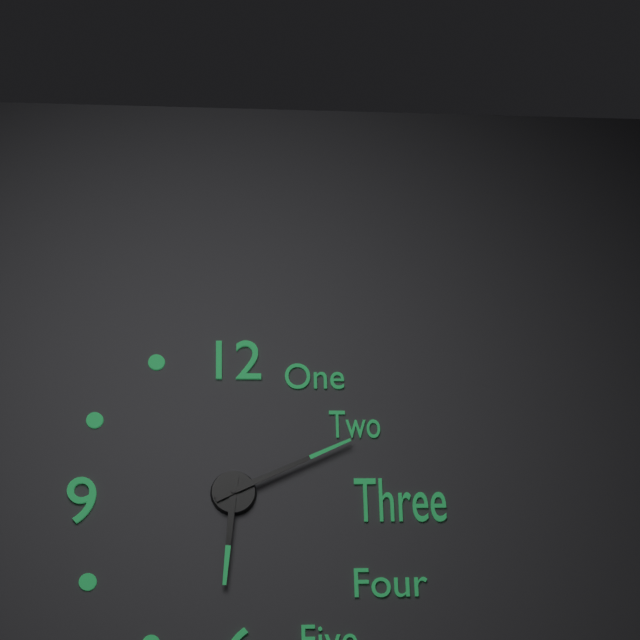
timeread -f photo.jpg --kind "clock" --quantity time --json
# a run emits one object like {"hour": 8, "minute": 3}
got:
{"hour": 6, "minute": 11}
